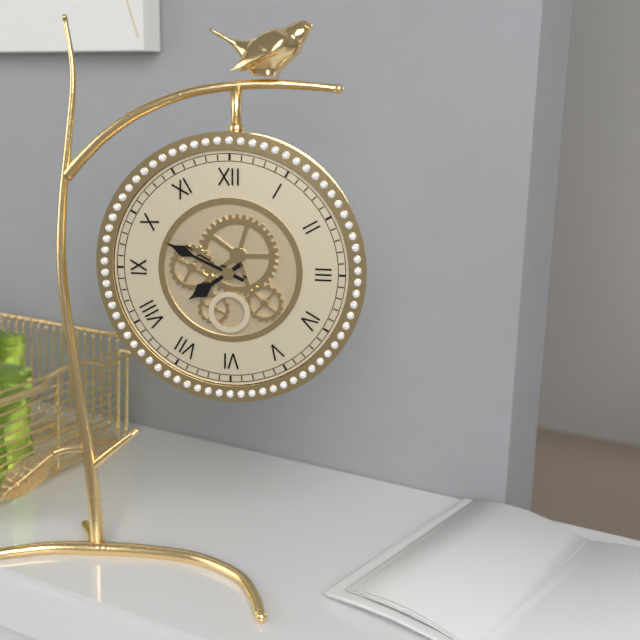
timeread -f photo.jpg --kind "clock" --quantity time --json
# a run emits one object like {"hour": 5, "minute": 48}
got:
{"hour": 7, "minute": 49}
